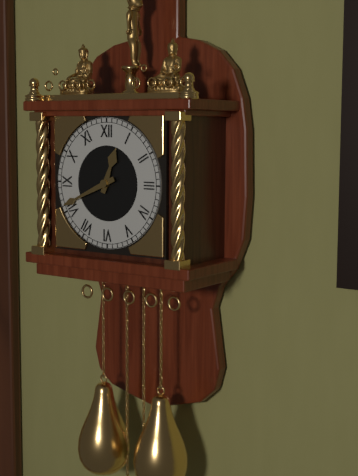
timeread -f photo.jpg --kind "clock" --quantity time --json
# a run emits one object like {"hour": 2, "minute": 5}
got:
{"hour": 12, "minute": 41}
